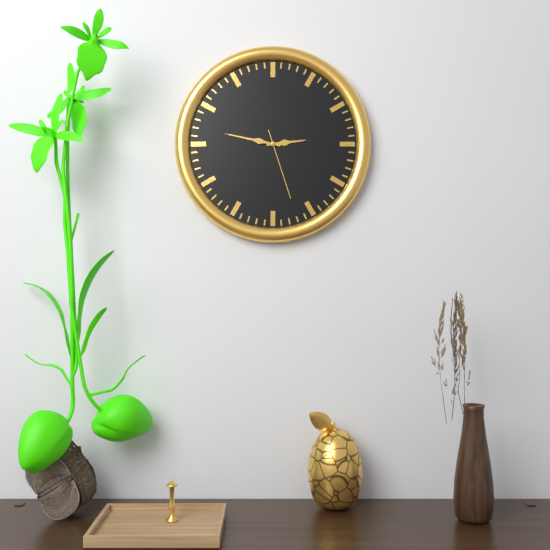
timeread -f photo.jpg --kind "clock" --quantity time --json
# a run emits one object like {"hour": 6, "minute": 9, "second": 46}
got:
{"hour": 2, "minute": 47, "second": 27}
